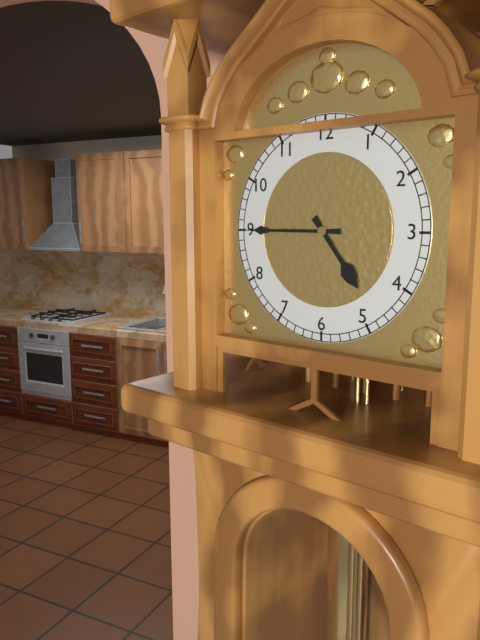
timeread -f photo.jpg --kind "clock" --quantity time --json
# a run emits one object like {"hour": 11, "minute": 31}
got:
{"hour": 4, "minute": 45}
